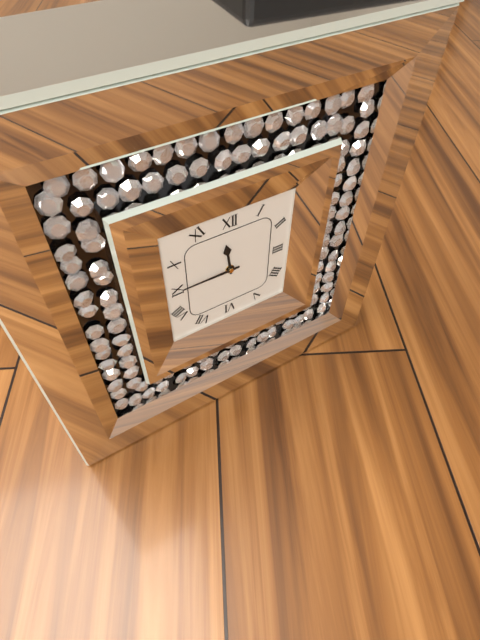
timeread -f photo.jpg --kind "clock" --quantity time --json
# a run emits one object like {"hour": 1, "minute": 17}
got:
{"hour": 11, "minute": 45}
